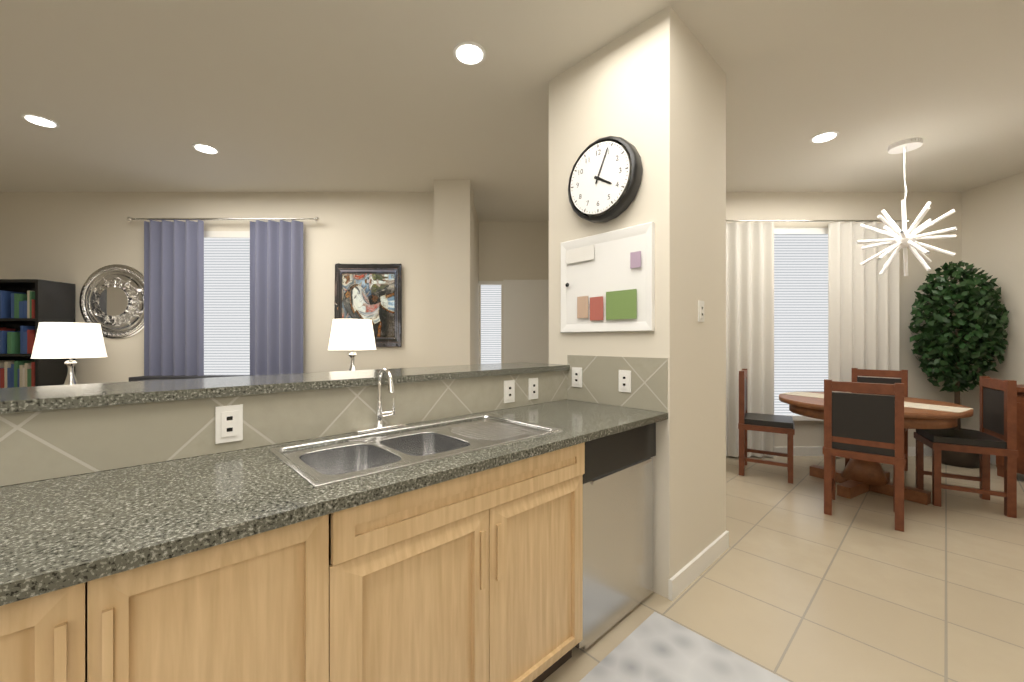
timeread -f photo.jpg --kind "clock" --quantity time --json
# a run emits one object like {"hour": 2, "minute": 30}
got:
{"hour": 4, "minute": 4}
